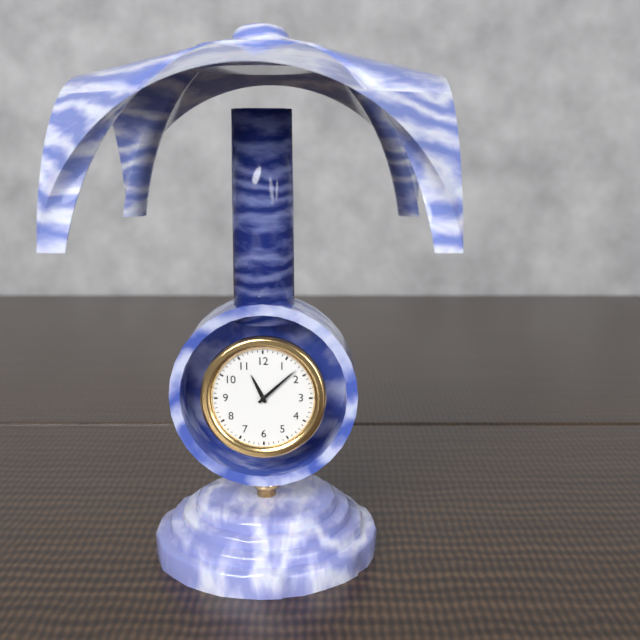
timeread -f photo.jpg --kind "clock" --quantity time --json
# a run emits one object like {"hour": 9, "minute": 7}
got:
{"hour": 11, "minute": 8}
